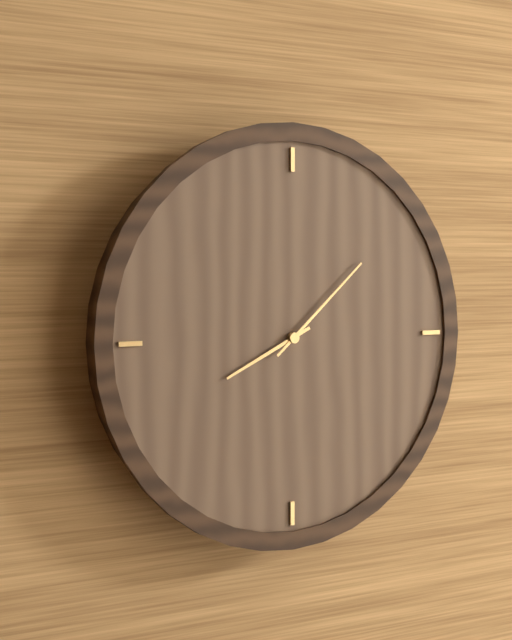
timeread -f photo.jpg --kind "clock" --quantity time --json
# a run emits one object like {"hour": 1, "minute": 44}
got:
{"hour": 8, "minute": 8}
